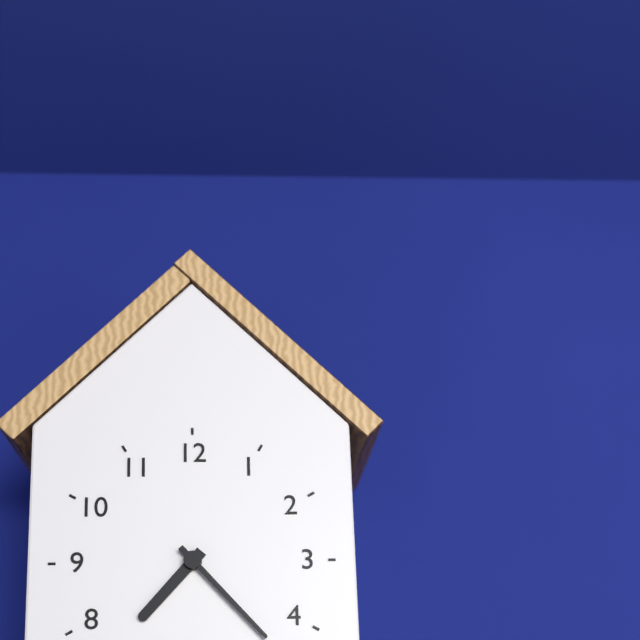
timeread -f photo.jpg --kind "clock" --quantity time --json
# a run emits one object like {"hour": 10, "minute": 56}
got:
{"hour": 7, "minute": 23}
